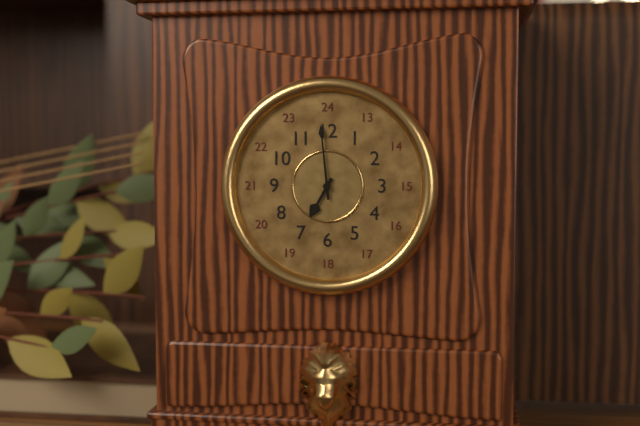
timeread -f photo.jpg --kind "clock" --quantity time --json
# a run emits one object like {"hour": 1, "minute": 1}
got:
{"hour": 6, "minute": 59}
